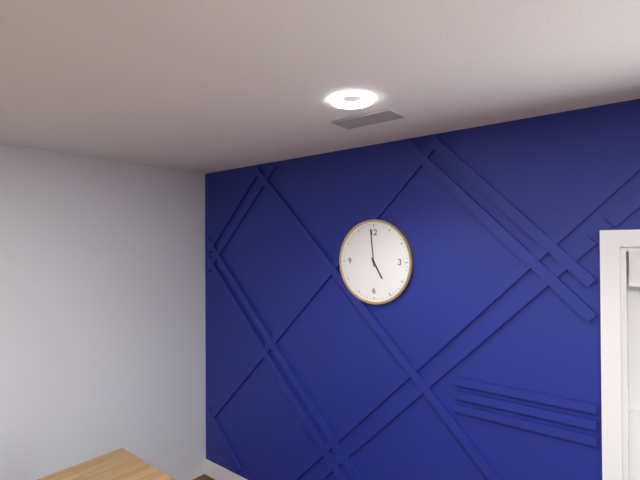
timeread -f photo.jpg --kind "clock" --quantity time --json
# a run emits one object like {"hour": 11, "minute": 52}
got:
{"hour": 4, "minute": 59}
